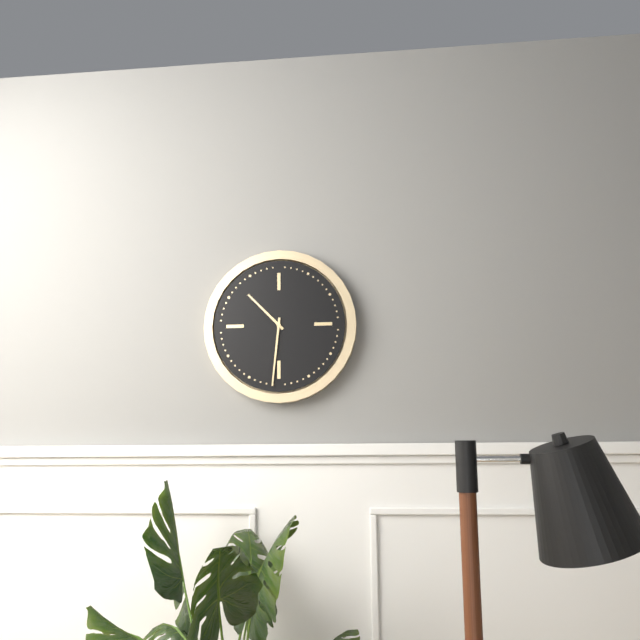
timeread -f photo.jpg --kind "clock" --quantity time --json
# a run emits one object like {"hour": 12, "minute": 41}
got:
{"hour": 10, "minute": 31}
